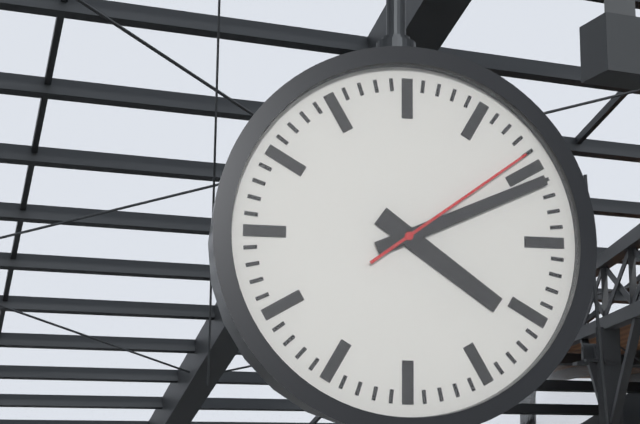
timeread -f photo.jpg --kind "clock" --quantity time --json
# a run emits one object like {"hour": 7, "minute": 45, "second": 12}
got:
{"hour": 4, "minute": 11, "second": 9}
